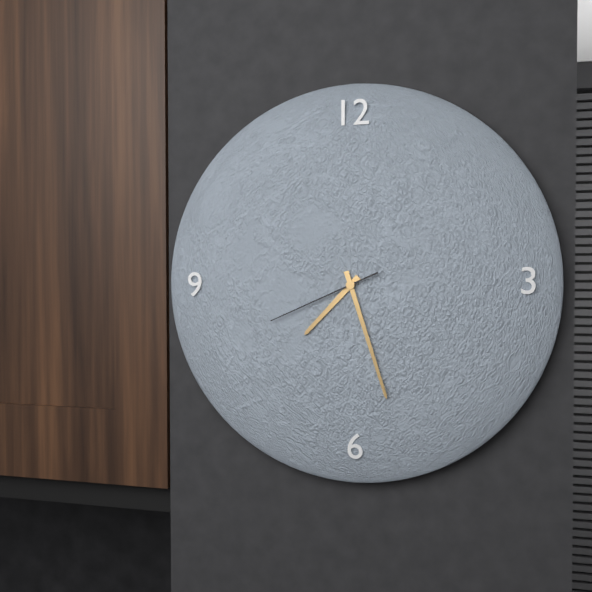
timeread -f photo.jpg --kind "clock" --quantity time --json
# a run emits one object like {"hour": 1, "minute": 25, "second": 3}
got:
{"hour": 7, "minute": 27, "second": 41}
